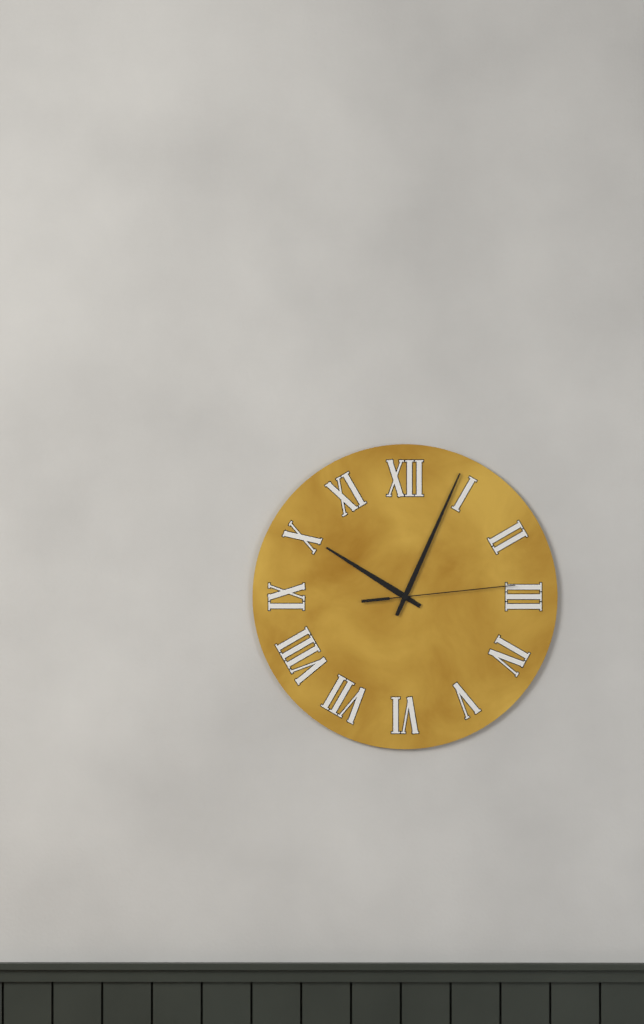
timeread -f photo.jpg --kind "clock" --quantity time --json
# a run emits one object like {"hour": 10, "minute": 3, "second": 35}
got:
{"hour": 10, "minute": 4, "second": 14}
